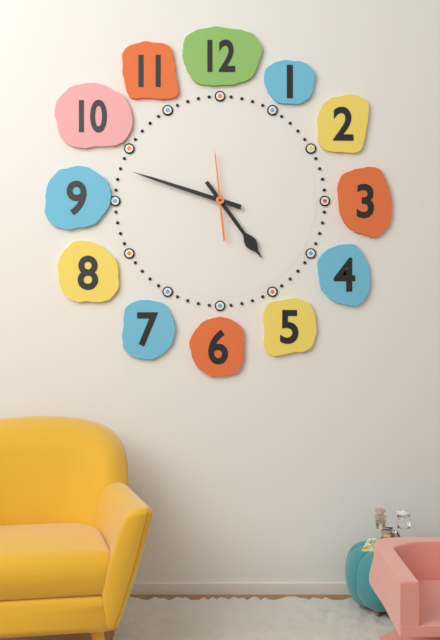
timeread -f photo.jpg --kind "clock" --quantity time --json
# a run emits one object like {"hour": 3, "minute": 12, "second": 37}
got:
{"hour": 4, "minute": 48, "second": 59}
